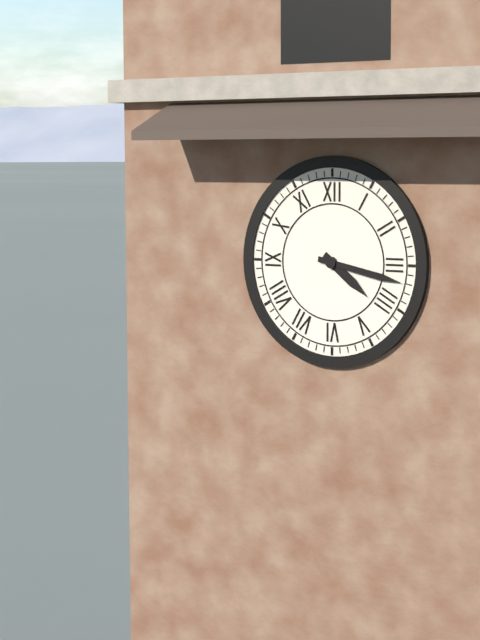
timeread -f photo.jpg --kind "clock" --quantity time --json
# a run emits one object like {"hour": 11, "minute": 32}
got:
{"hour": 4, "minute": 17}
